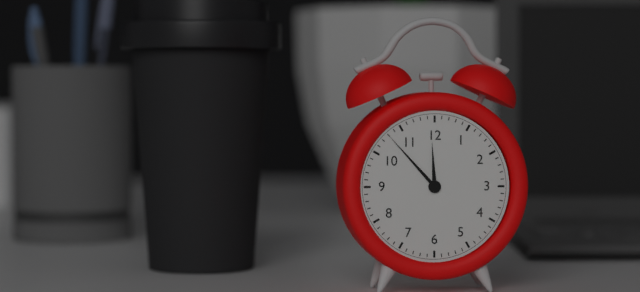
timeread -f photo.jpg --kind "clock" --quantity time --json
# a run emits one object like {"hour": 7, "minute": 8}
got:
{"hour": 11, "minute": 53}
